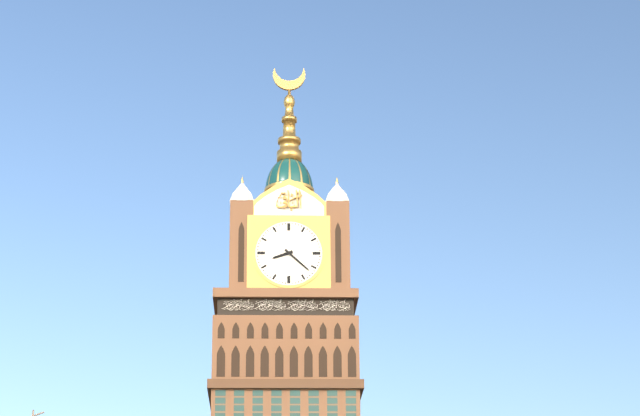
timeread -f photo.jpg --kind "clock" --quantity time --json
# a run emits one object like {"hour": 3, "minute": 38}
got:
{"hour": 8, "minute": 22}
